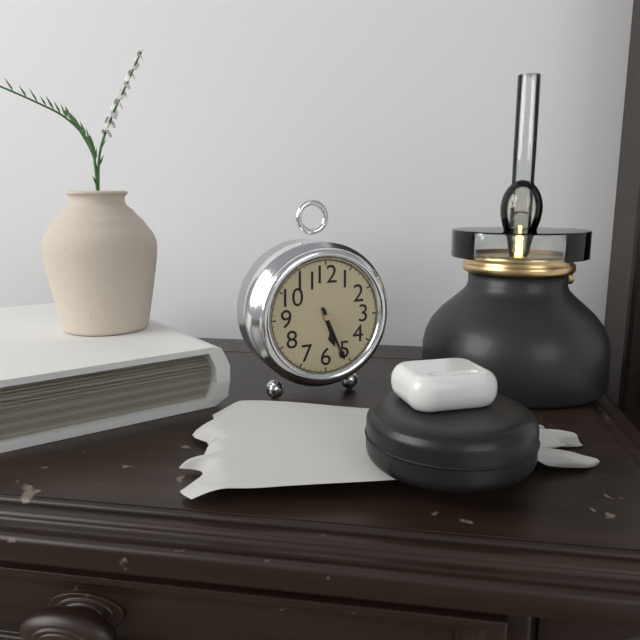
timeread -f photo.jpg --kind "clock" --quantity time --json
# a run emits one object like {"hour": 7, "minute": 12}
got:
{"hour": 5, "minute": 26}
